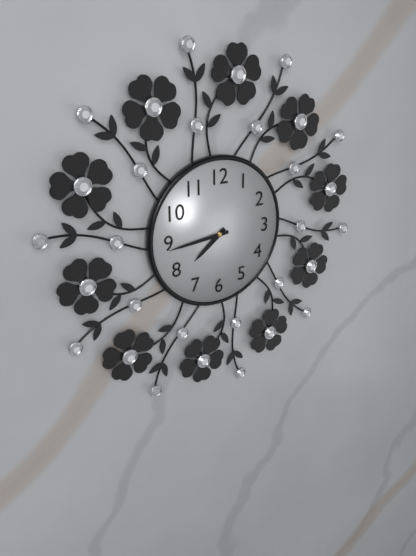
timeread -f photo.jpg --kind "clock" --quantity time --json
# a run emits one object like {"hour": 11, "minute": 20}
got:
{"hour": 7, "minute": 44}
